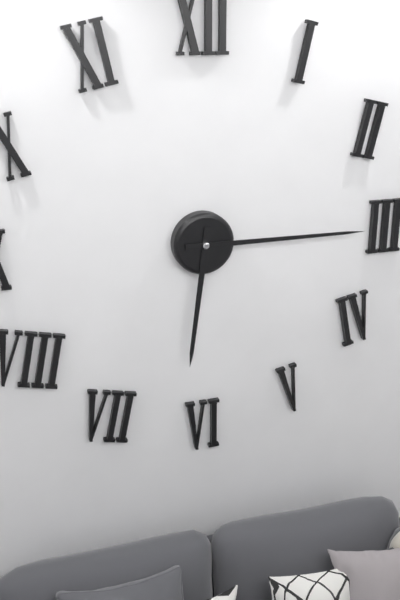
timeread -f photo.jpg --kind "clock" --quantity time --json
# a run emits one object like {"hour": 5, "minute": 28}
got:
{"hour": 6, "minute": 15}
